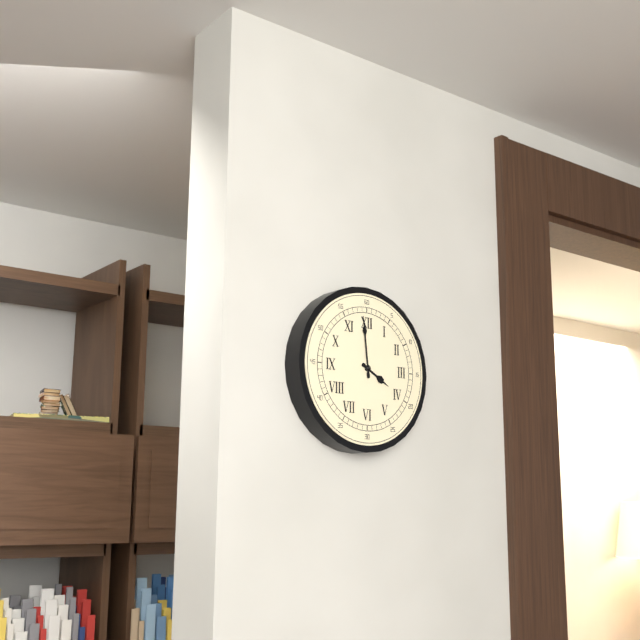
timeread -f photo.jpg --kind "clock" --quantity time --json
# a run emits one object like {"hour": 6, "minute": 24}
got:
{"hour": 3, "minute": 59}
